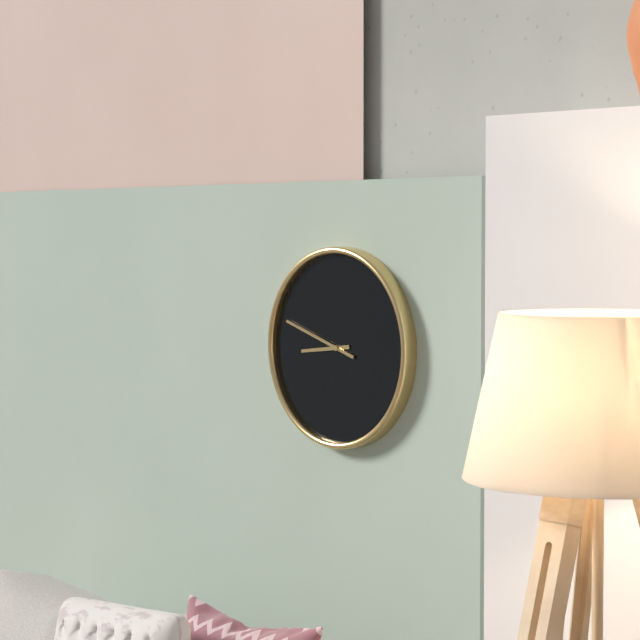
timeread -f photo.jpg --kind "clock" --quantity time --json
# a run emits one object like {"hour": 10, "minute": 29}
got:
{"hour": 8, "minute": 48}
